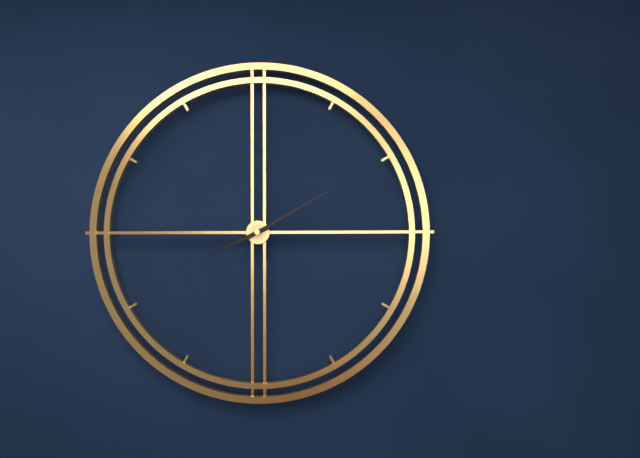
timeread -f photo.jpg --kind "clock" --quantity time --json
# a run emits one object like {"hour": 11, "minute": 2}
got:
{"hour": 8, "minute": 10}
